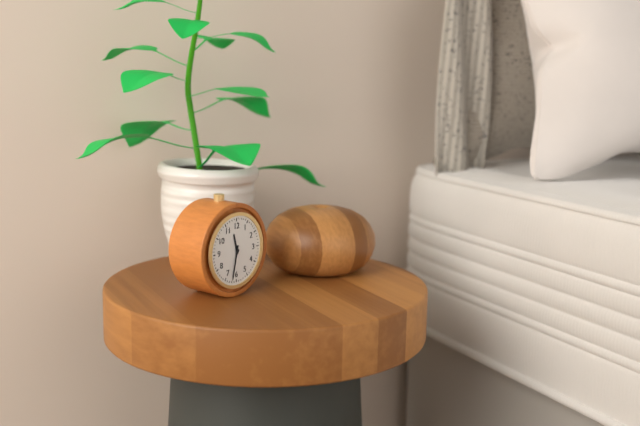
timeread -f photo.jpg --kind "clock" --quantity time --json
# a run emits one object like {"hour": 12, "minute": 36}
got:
{"hour": 11, "minute": 32}
